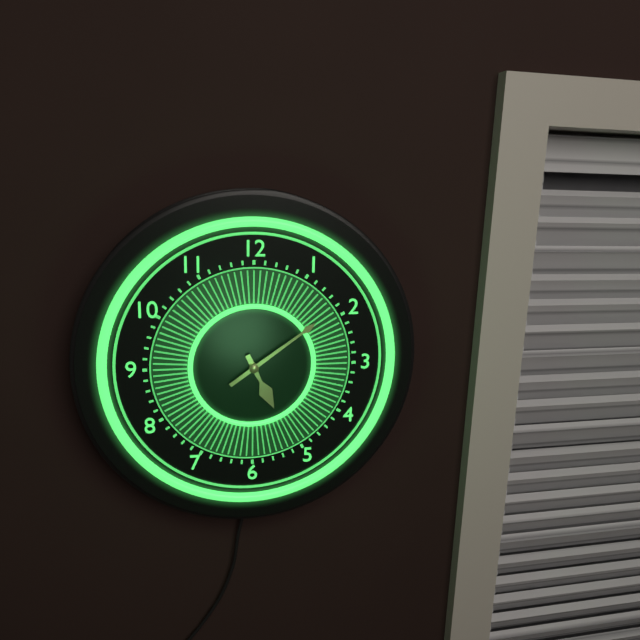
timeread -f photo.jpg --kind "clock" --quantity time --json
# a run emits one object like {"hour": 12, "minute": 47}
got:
{"hour": 5, "minute": 9}
